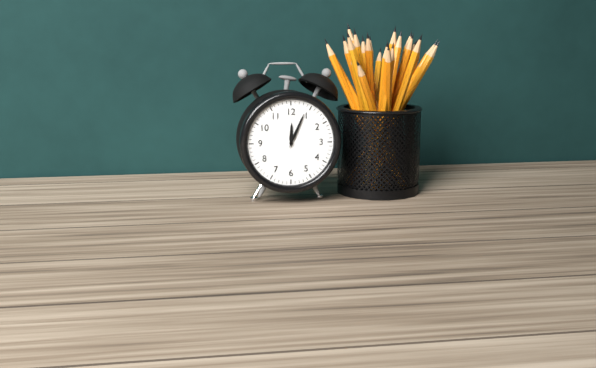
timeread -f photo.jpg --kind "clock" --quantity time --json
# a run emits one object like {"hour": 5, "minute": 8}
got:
{"hour": 12, "minute": 4}
